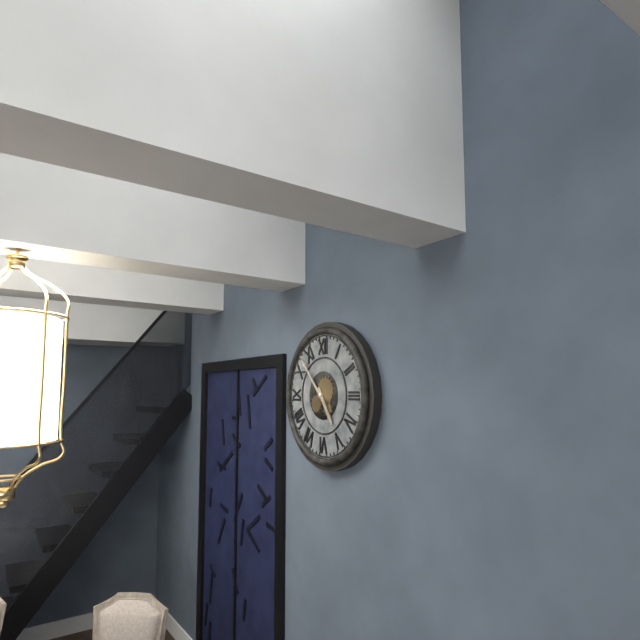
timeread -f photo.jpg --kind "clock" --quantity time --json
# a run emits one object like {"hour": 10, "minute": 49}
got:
{"hour": 4, "minute": 53}
